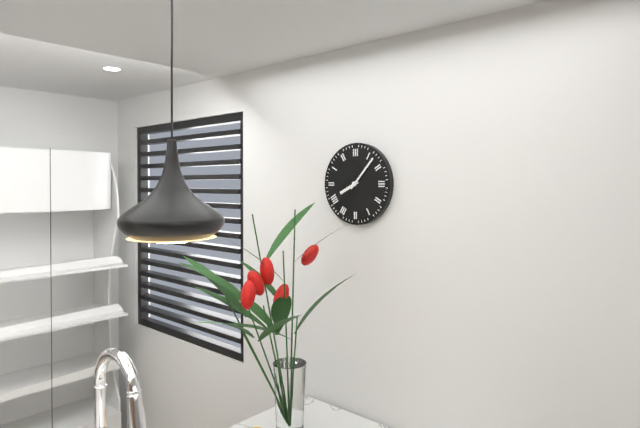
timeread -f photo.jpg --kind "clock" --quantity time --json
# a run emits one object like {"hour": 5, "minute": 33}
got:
{"hour": 8, "minute": 7}
